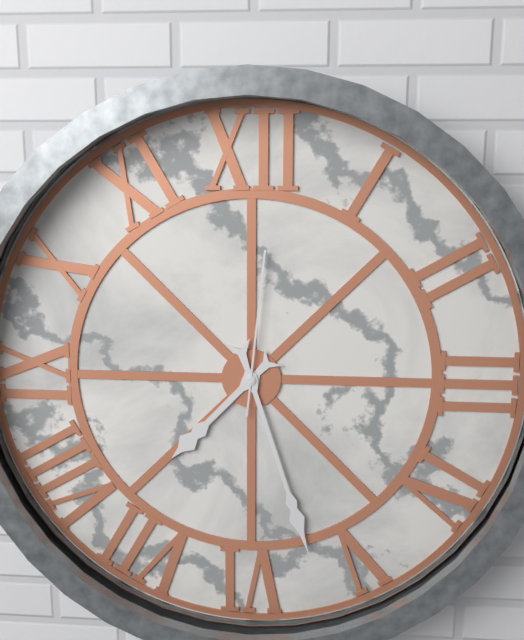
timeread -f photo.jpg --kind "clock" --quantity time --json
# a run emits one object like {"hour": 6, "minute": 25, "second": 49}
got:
{"hour": 7, "minute": 27, "second": 1}
